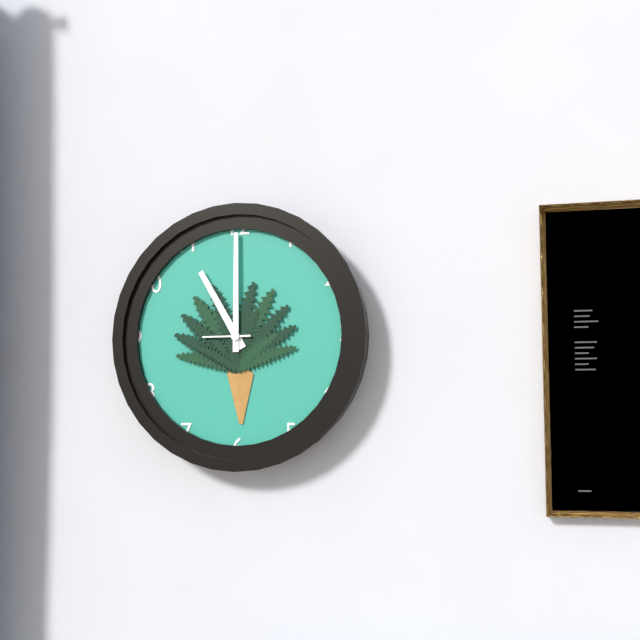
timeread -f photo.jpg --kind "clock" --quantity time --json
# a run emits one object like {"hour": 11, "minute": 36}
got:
{"hour": 11, "minute": 0}
